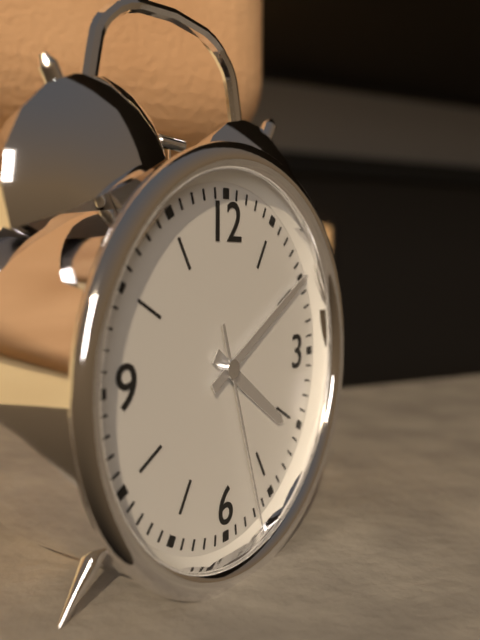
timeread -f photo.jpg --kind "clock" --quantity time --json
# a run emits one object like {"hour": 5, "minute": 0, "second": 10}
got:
{"hour": 4, "minute": 10, "second": 27}
